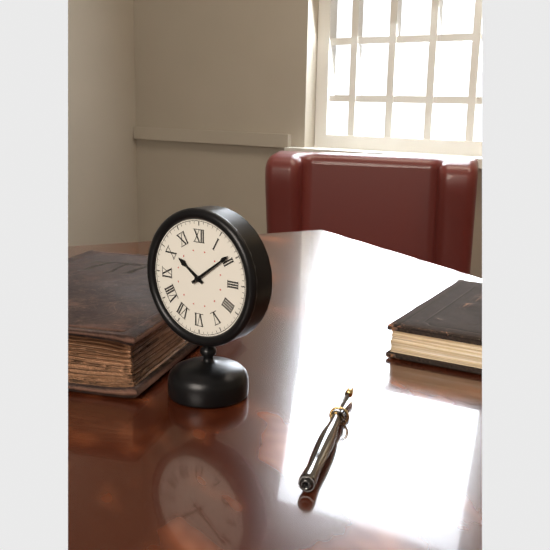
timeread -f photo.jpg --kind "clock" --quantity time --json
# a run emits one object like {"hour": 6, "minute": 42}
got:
{"hour": 10, "minute": 9}
